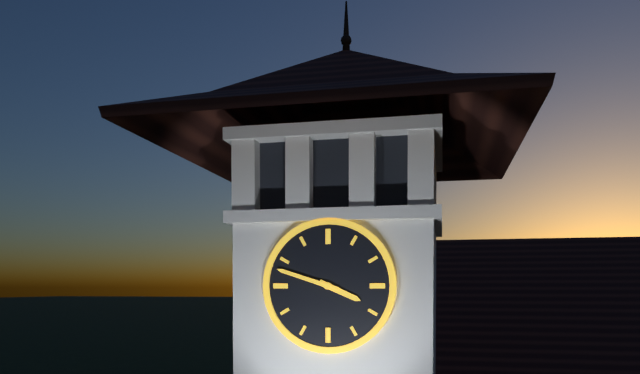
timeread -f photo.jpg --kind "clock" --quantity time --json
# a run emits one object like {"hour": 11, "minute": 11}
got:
{"hour": 3, "minute": 48}
